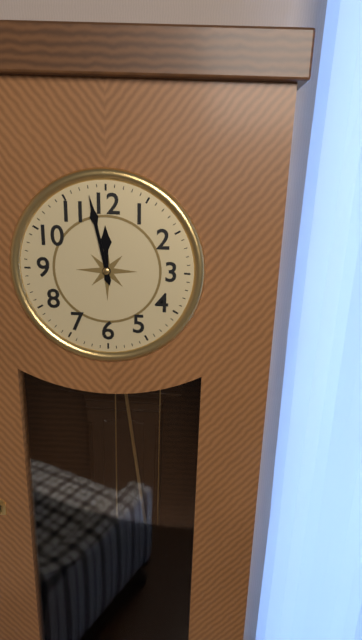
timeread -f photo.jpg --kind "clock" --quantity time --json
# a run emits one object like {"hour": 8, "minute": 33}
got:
{"hour": 11, "minute": 58}
